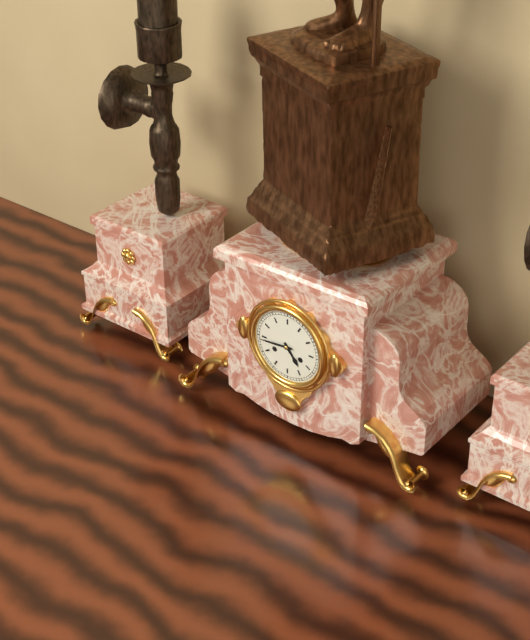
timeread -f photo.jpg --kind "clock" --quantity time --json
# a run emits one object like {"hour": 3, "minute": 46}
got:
{"hour": 4, "minute": 44}
